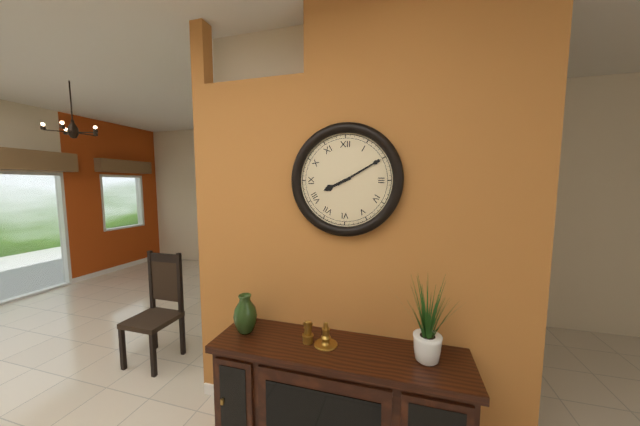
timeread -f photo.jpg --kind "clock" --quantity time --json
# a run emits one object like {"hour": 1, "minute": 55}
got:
{"hour": 8, "minute": 10}
